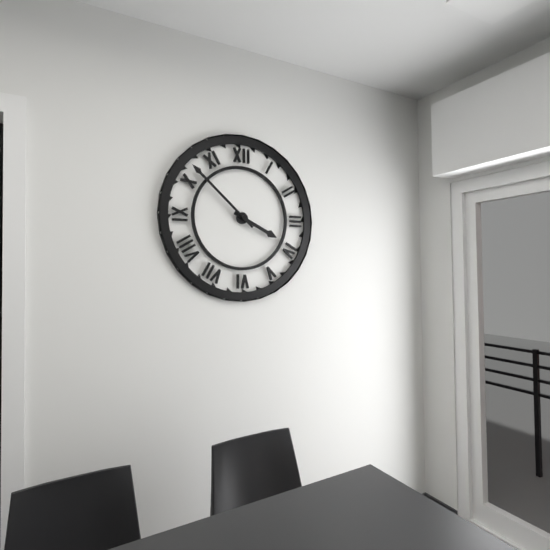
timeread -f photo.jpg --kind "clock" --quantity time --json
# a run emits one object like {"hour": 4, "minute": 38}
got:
{"hour": 3, "minute": 52}
